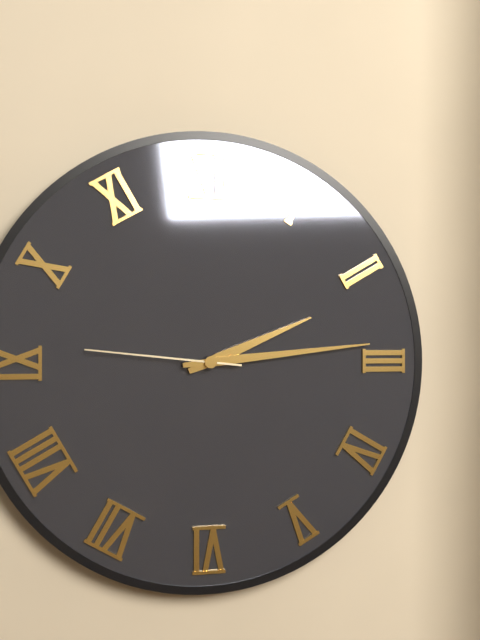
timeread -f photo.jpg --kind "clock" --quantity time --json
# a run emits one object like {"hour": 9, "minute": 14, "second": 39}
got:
{"hour": 2, "minute": 14, "second": 46}
